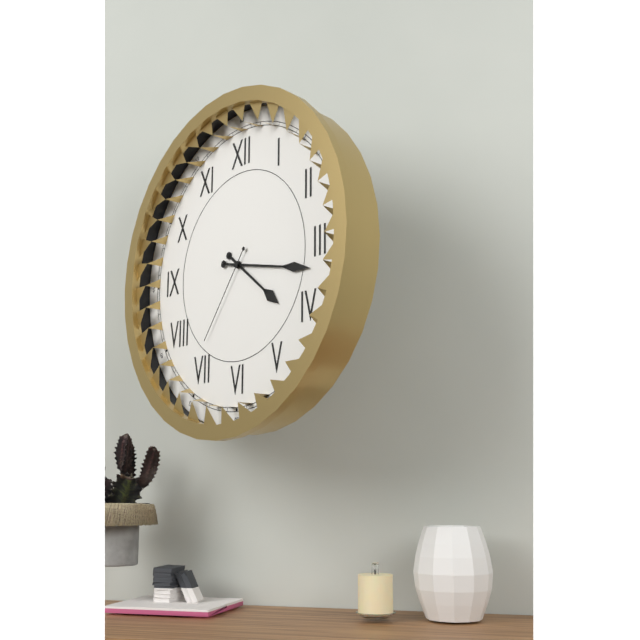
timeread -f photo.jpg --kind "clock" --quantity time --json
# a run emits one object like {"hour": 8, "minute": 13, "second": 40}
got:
{"hour": 4, "minute": 17, "second": 36}
